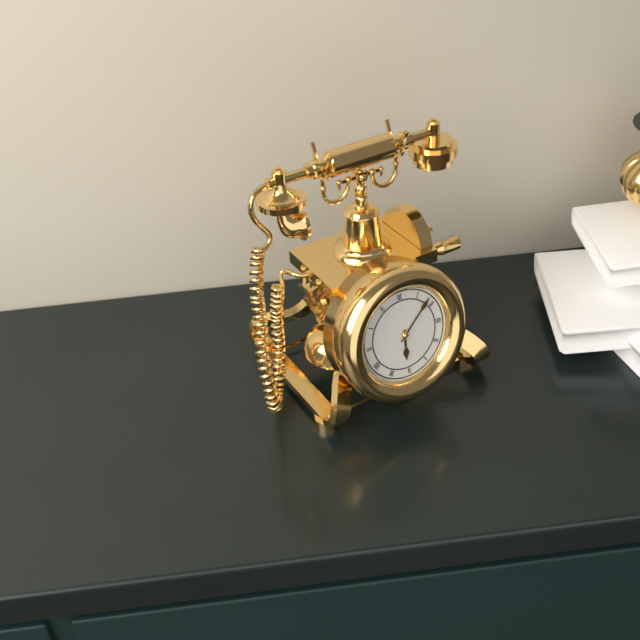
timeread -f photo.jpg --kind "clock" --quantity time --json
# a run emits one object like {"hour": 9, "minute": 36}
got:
{"hour": 6, "minute": 8}
